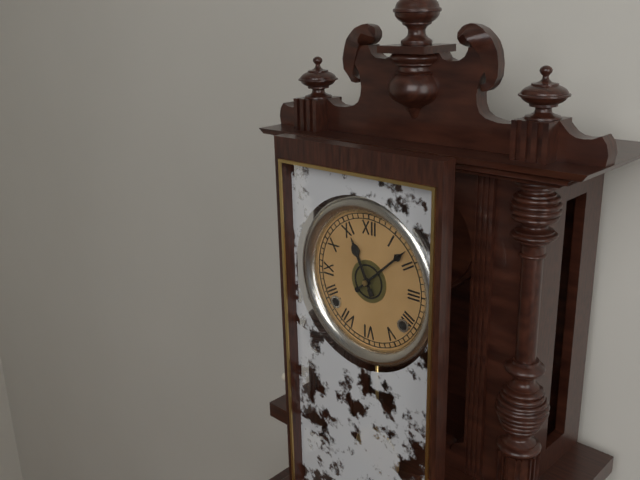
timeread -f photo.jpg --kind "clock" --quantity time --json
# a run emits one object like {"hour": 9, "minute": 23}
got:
{"hour": 11, "minute": 8}
